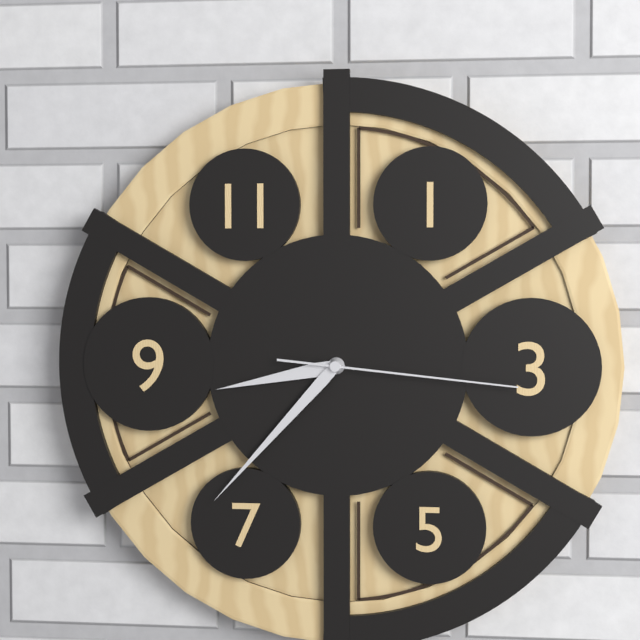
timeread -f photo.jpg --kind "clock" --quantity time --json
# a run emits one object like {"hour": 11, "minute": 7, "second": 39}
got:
{"hour": 8, "minute": 37, "second": 16}
